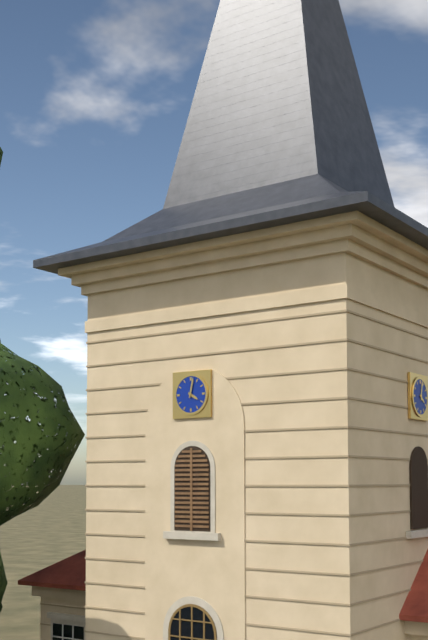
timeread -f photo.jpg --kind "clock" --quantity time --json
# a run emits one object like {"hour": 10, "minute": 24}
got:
{"hour": 4, "minute": 2}
